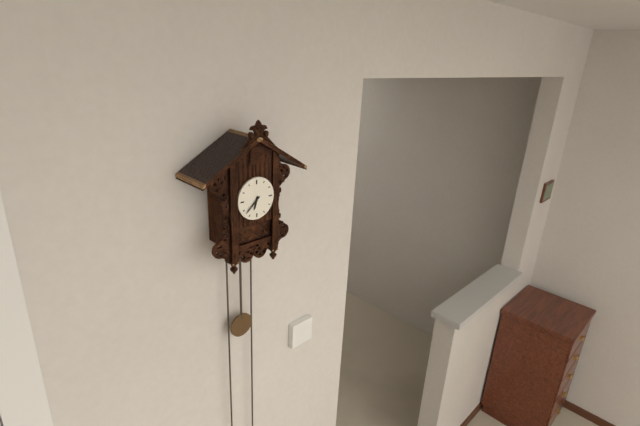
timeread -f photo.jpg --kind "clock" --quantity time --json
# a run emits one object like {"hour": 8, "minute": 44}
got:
{"hour": 6, "minute": 38}
